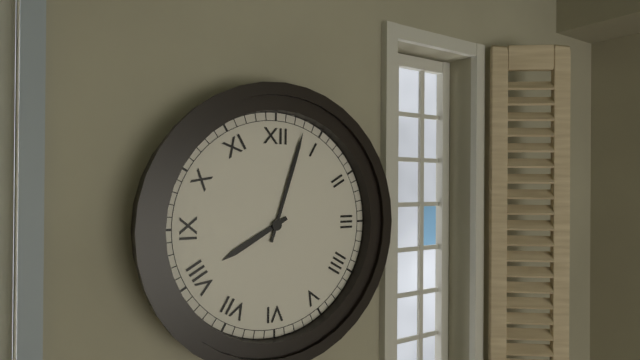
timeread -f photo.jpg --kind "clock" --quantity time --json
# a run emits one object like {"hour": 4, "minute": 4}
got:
{"hour": 8, "minute": 3}
